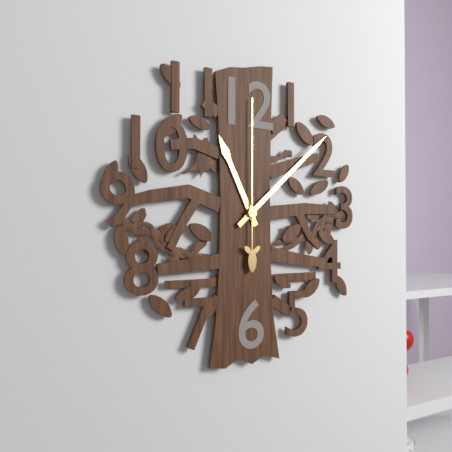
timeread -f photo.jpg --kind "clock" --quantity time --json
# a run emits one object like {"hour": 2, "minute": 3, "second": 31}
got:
{"hour": 11, "minute": 8, "second": 0}
